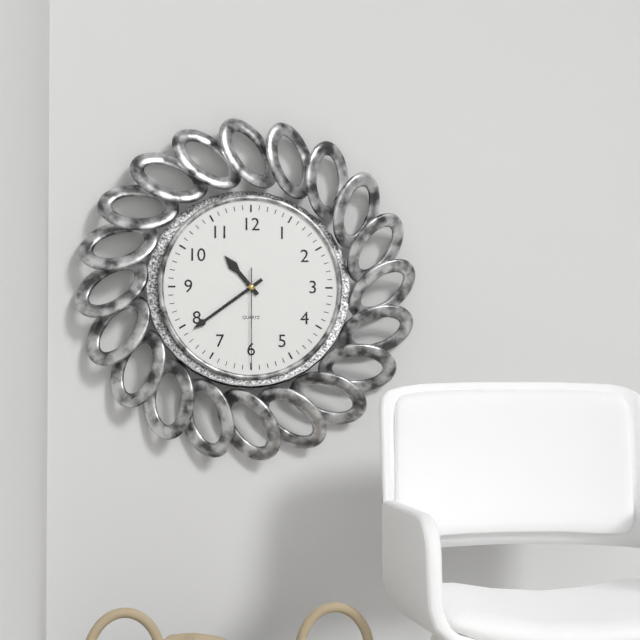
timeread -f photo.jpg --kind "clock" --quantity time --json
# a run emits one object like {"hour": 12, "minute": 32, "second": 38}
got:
{"hour": 10, "minute": 39, "second": 30}
